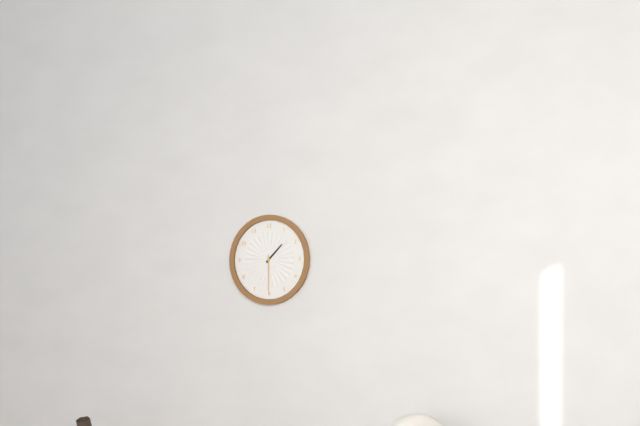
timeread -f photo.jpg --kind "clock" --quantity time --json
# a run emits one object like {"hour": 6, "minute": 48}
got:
{"hour": 1, "minute": 30}
